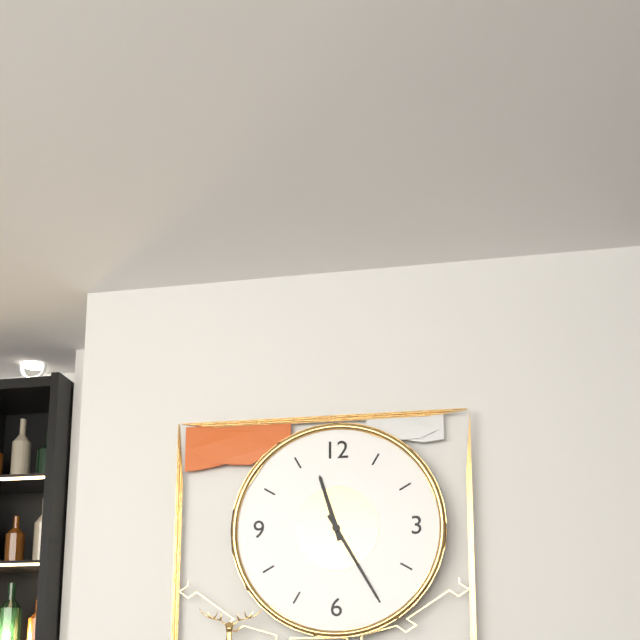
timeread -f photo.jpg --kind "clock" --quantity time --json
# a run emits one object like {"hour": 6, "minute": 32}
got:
{"hour": 11, "minute": 25}
